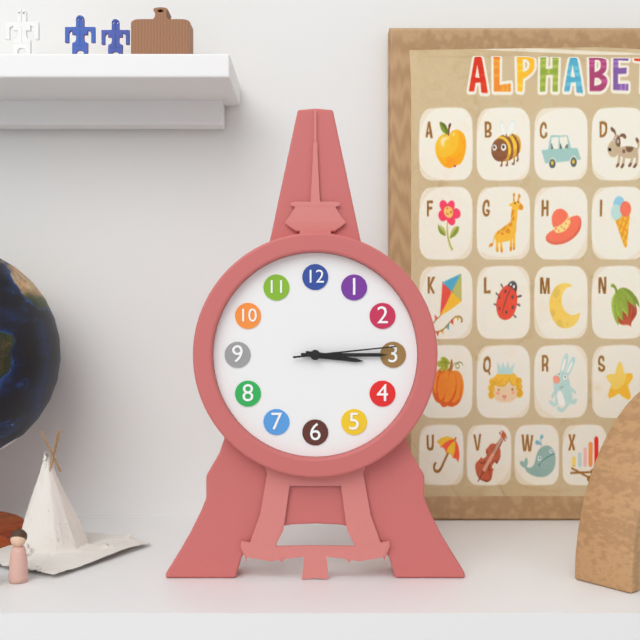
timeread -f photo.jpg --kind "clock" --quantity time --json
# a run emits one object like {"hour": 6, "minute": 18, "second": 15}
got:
{"hour": 3, "minute": 15, "second": 14}
